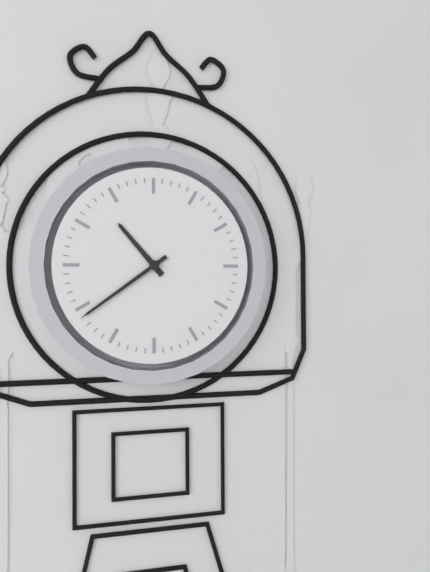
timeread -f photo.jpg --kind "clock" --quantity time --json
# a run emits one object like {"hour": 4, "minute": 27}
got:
{"hour": 10, "minute": 39}
